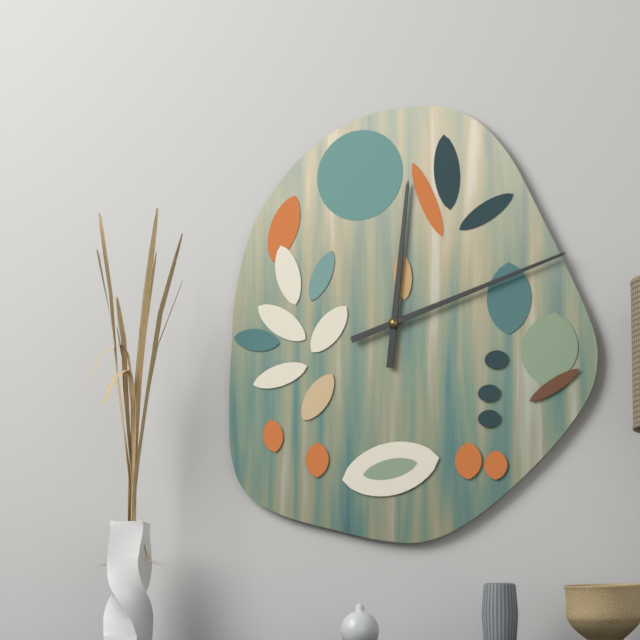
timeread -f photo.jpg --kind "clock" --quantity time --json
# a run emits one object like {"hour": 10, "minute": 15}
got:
{"hour": 12, "minute": 12}
